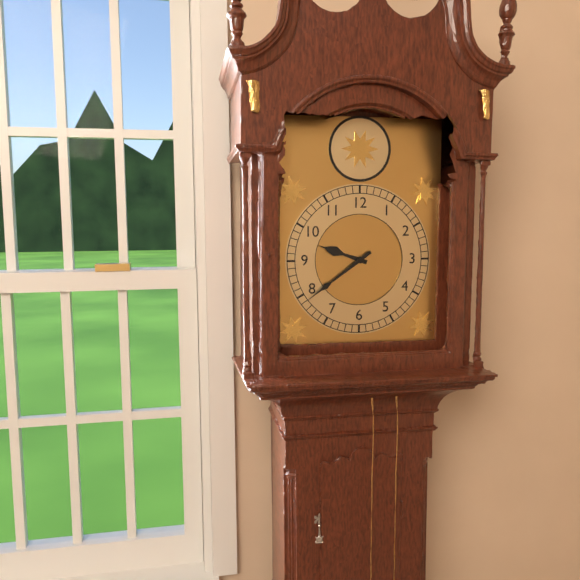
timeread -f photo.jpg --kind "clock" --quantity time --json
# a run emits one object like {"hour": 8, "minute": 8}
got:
{"hour": 9, "minute": 39}
